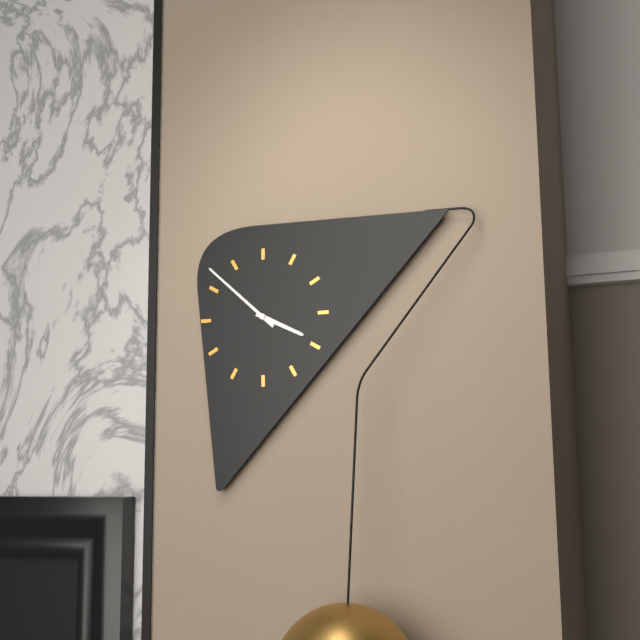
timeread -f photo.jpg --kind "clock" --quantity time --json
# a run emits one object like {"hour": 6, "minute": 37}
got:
{"hour": 3, "minute": 52}
